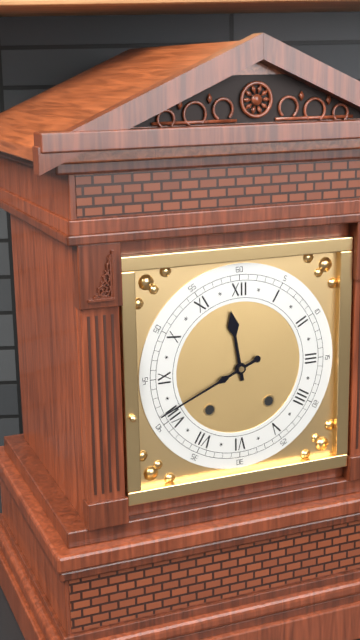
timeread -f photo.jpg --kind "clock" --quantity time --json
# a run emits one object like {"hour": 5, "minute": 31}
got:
{"hour": 11, "minute": 41}
